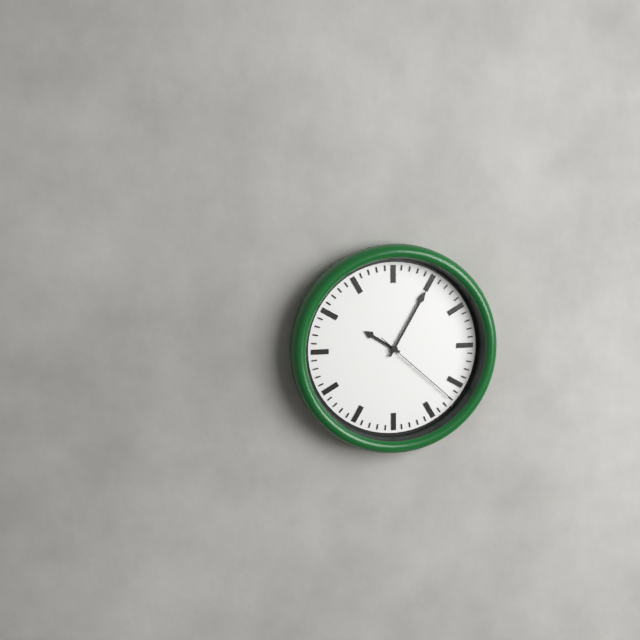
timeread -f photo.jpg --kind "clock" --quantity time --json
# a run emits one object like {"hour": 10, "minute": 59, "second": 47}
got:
{"hour": 10, "minute": 5, "second": 22}
